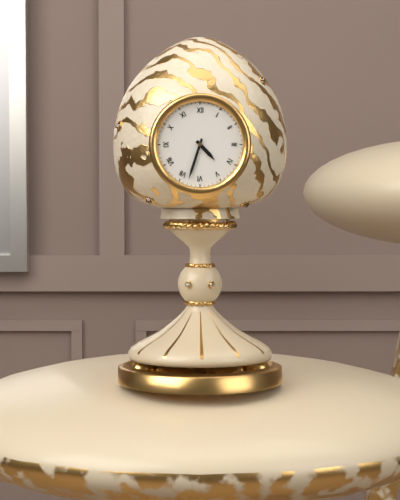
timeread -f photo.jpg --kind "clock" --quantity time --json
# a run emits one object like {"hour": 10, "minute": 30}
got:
{"hour": 4, "minute": 33}
